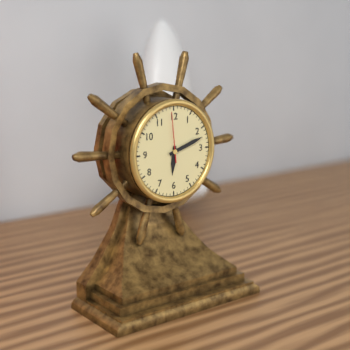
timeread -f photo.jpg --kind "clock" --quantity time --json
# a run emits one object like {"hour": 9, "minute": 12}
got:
{"hour": 6, "minute": 12}
